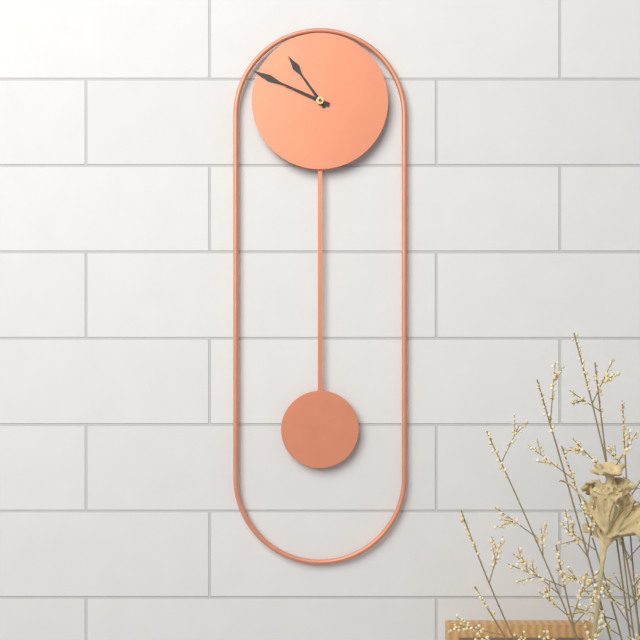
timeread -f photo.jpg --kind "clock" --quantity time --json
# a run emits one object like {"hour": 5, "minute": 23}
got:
{"hour": 10, "minute": 49}
